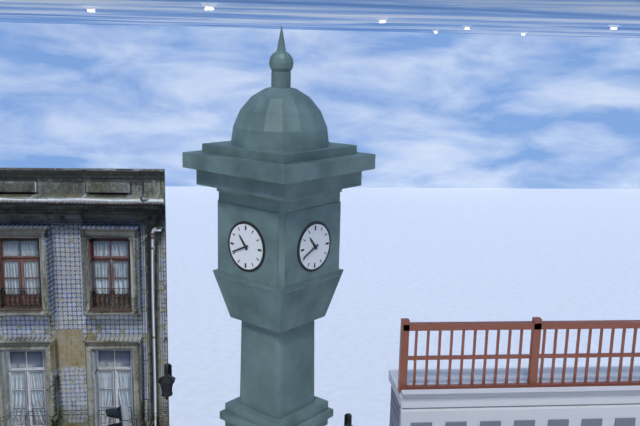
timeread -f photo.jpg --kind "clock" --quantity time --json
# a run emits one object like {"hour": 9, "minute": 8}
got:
{"hour": 10, "minute": 41}
